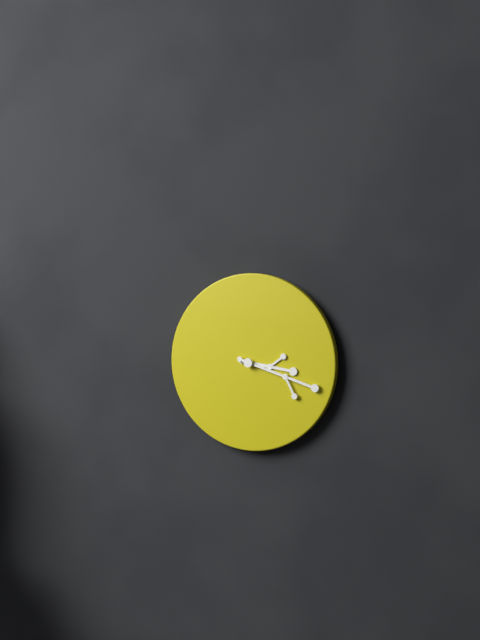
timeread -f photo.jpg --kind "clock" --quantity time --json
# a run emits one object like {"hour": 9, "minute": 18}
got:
{"hour": 3, "minute": 18}
